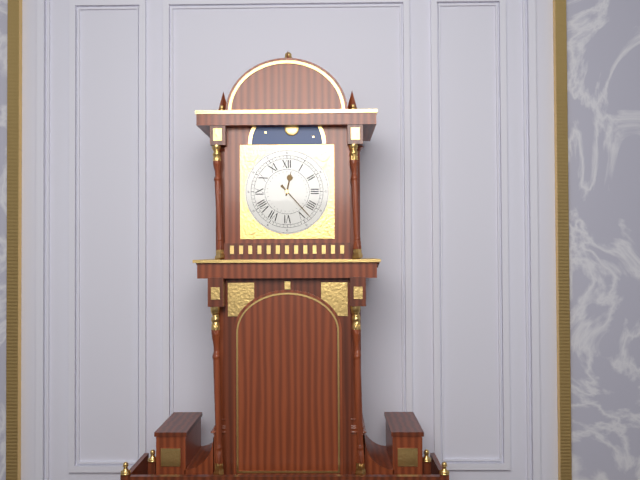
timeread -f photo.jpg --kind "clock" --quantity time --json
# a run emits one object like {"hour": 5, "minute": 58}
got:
{"hour": 12, "minute": 23}
